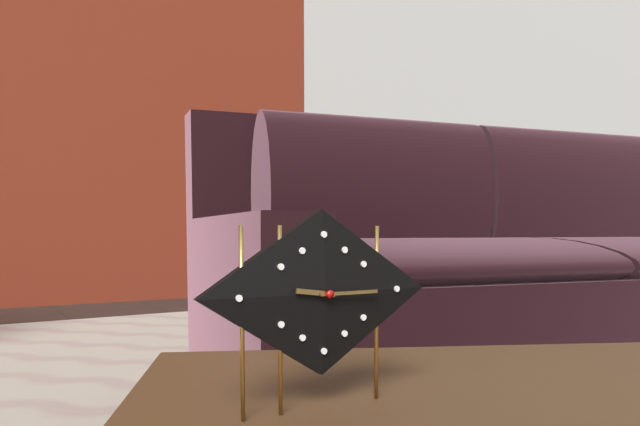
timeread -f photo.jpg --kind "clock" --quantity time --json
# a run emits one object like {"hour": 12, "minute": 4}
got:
{"hour": 9, "minute": 15}
